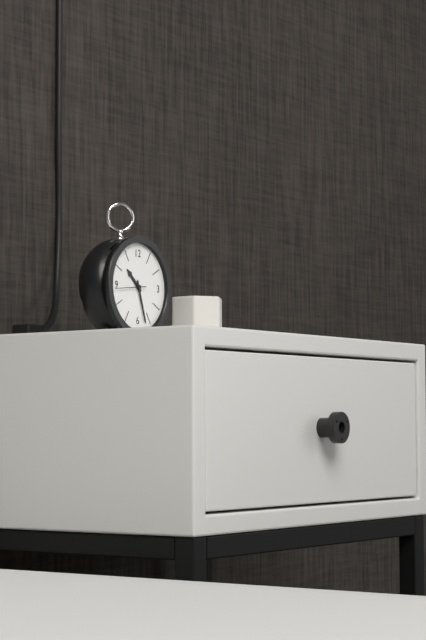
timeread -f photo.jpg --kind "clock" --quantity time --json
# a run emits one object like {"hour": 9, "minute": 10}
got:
{"hour": 10, "minute": 27}
